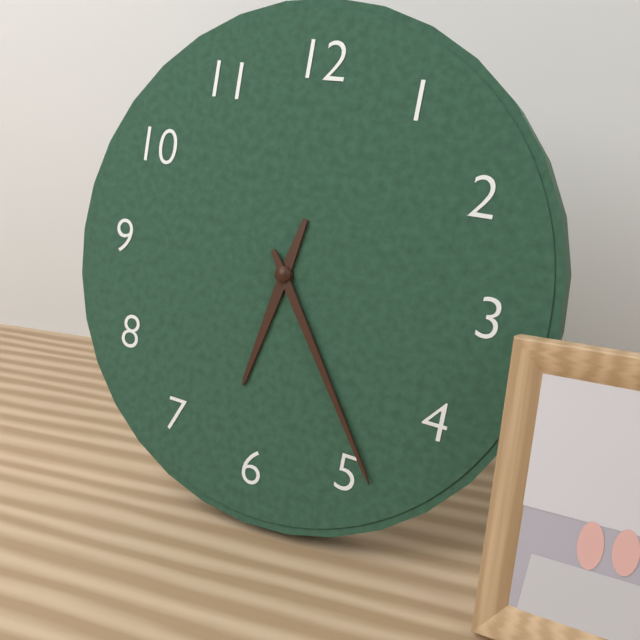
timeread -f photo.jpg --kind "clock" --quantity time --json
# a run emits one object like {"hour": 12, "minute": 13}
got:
{"hour": 6, "minute": 24}
